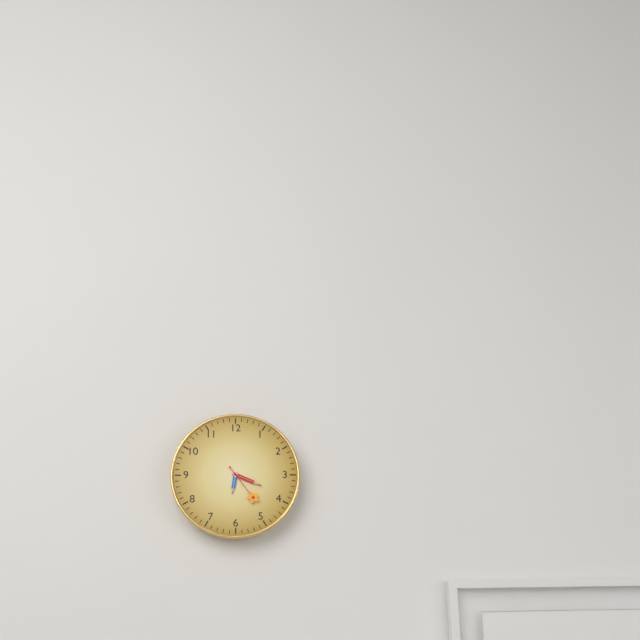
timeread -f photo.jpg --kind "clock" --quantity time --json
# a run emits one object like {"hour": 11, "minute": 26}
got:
{"hour": 6, "minute": 19}
